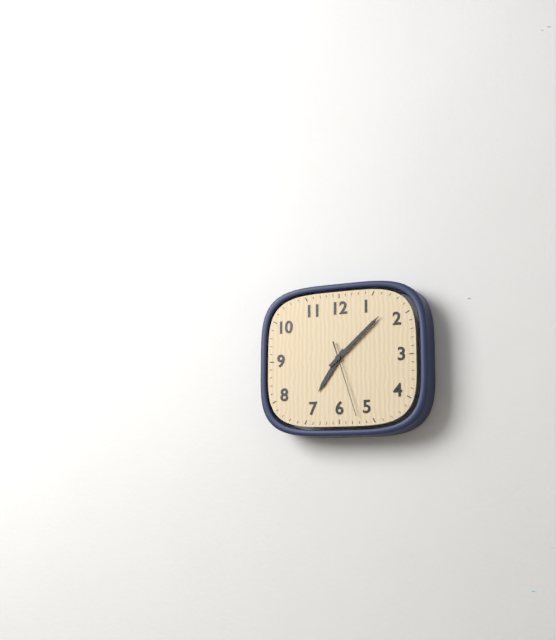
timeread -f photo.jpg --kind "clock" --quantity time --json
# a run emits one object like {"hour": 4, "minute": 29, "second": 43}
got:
{"hour": 7, "minute": 8, "second": 27}
